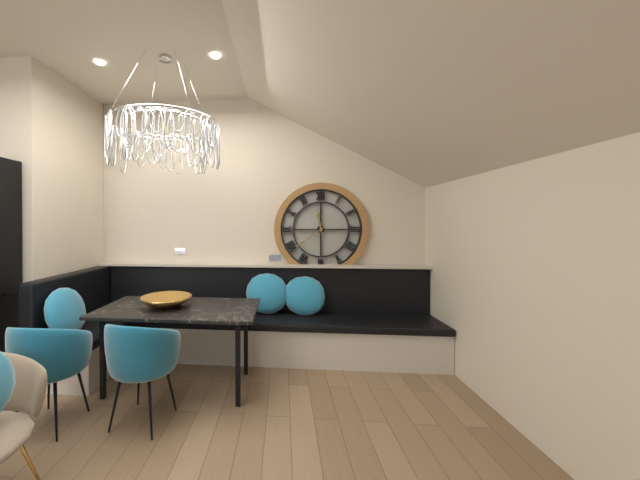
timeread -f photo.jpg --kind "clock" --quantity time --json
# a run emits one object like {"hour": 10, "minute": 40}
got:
{"hour": 11, "minute": 39}
